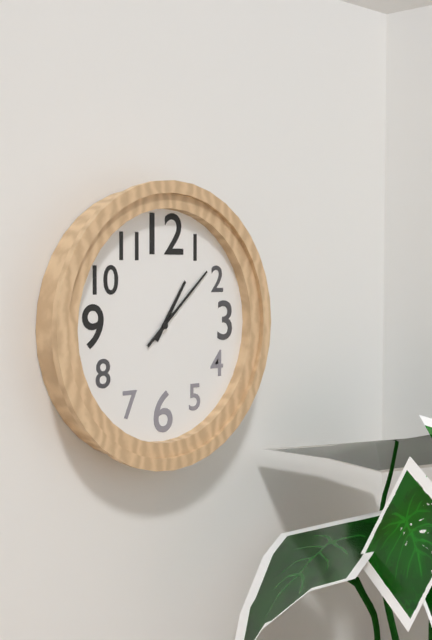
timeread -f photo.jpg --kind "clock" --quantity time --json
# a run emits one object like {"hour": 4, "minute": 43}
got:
{"hour": 1, "minute": 8}
